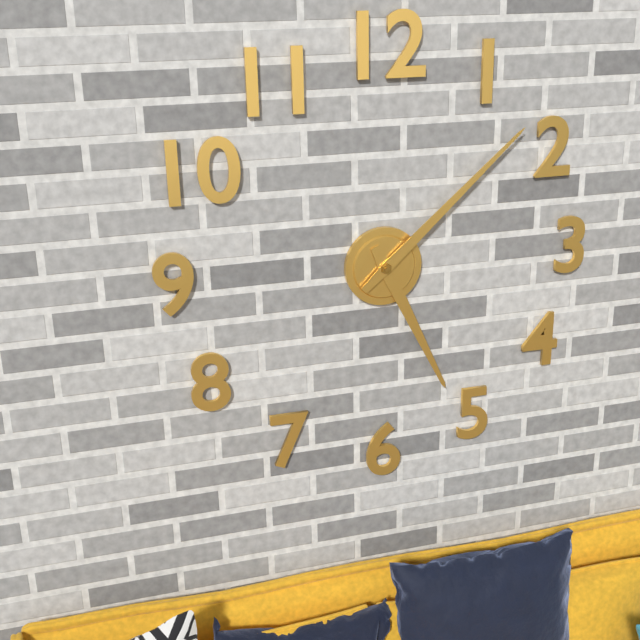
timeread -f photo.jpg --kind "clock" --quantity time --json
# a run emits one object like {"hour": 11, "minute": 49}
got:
{"hour": 5, "minute": 8}
